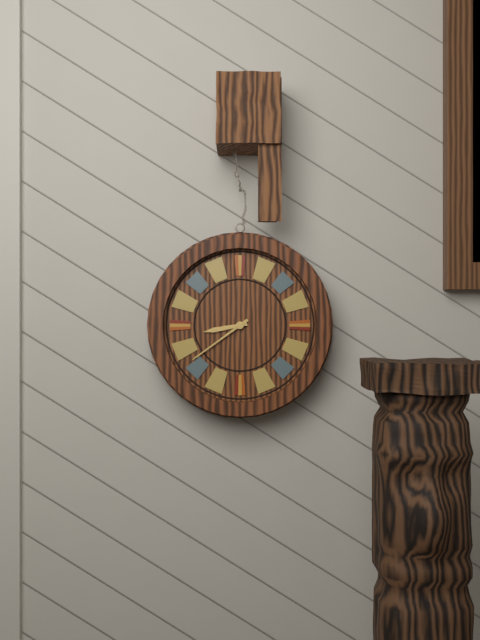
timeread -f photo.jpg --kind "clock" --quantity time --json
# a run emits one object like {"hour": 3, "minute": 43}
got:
{"hour": 8, "minute": 39}
